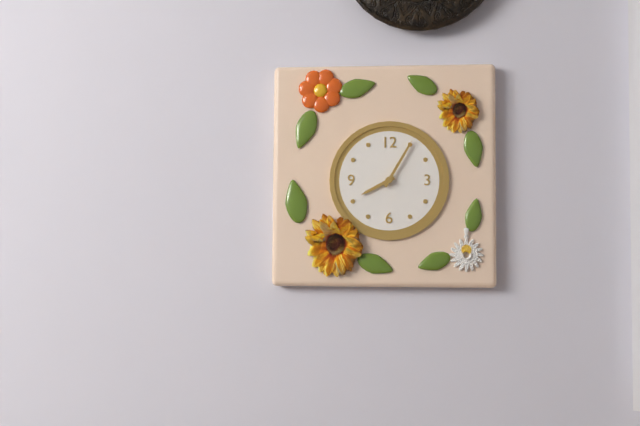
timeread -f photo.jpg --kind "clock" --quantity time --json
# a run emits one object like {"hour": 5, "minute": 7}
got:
{"hour": 8, "minute": 5}
